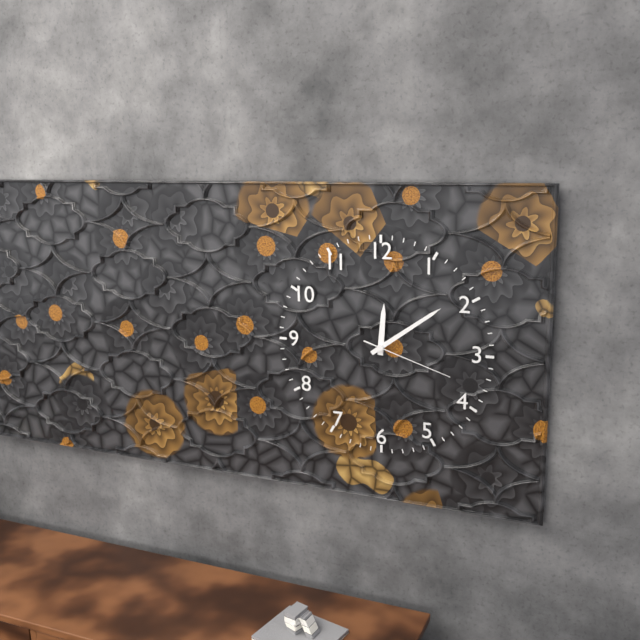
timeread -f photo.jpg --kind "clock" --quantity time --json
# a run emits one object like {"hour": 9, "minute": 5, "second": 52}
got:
{"hour": 12, "minute": 9, "second": 18}
